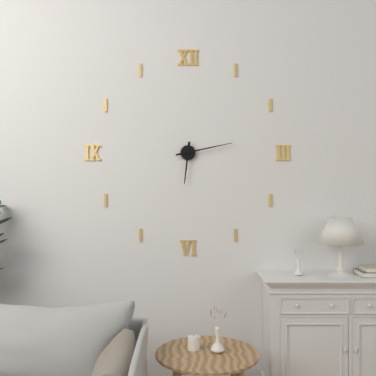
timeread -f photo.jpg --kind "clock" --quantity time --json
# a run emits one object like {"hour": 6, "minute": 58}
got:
{"hour": 6, "minute": 13}
